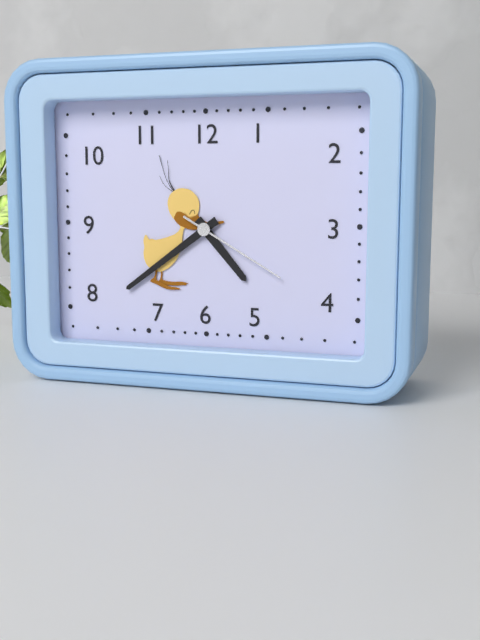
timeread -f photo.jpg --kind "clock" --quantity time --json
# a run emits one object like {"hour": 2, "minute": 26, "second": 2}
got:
{"hour": 4, "minute": 39, "second": 20}
